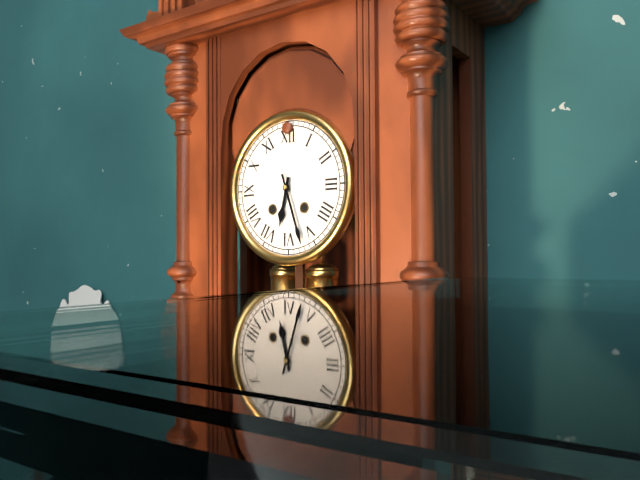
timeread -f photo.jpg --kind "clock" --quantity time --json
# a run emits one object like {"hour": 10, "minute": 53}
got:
{"hour": 6, "minute": 27}
